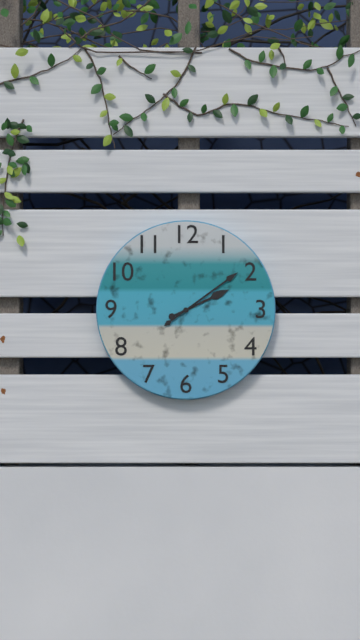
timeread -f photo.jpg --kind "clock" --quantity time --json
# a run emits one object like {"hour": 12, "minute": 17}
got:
{"hour": 2, "minute": 9}
